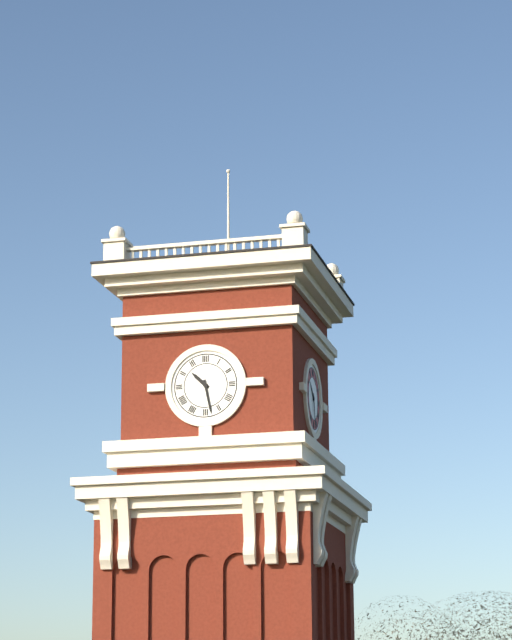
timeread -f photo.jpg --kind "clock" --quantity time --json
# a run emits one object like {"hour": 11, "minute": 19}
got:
{"hour": 10, "minute": 28}
